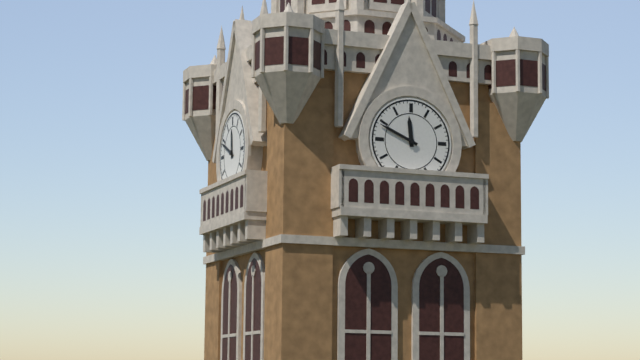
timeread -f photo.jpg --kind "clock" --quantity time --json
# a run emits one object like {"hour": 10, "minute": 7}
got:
{"hour": 11, "minute": 49}
